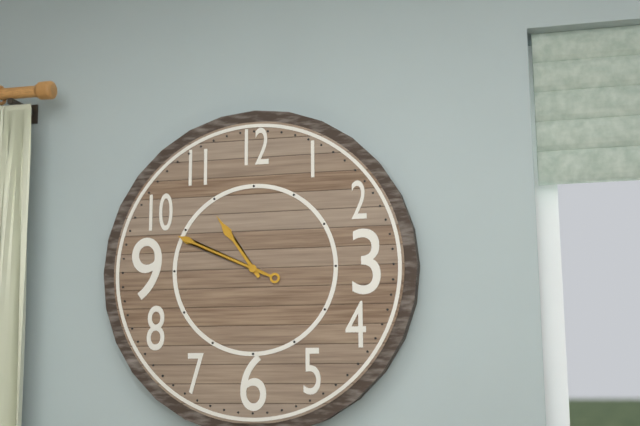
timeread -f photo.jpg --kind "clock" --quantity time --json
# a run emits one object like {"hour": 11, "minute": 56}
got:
{"hour": 10, "minute": 49}
